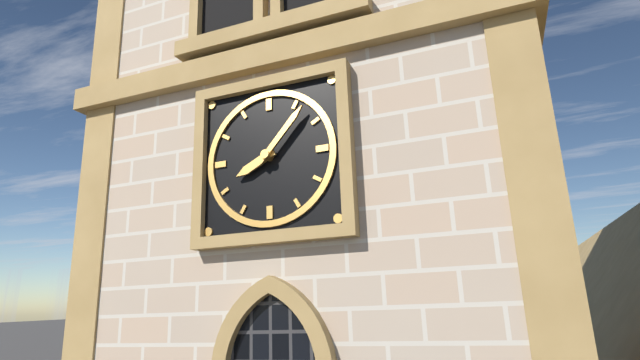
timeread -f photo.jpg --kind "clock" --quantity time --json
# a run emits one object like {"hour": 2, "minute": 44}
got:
{"hour": 8, "minute": 7}
